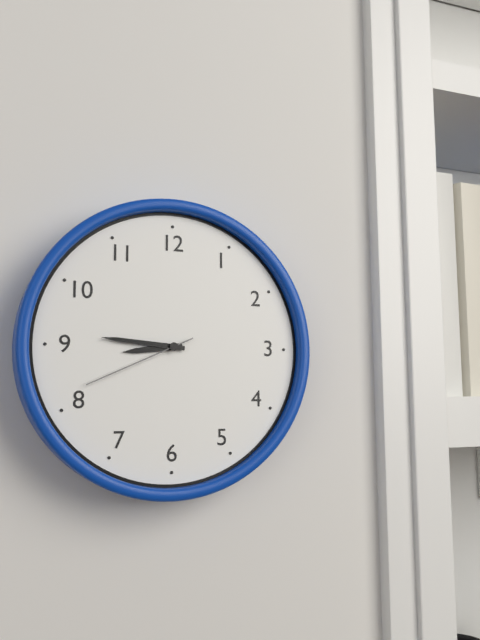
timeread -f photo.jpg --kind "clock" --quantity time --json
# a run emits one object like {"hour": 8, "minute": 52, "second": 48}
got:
{"hour": 8, "minute": 46, "second": 41}
